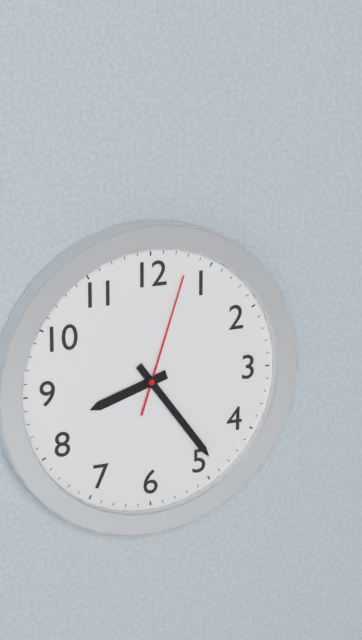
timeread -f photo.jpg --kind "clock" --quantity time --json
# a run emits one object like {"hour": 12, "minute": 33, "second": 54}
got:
{"hour": 8, "minute": 24, "second": 3}
